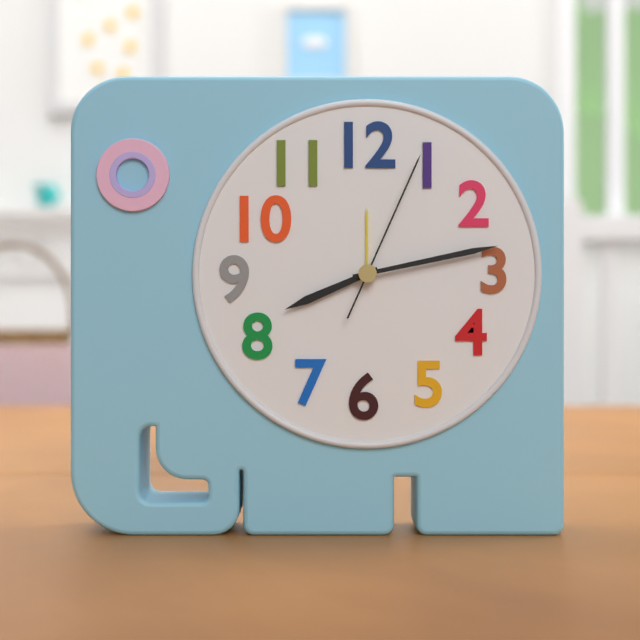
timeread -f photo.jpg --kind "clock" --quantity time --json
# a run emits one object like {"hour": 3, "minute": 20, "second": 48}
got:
{"hour": 8, "minute": 13, "second": 4}
